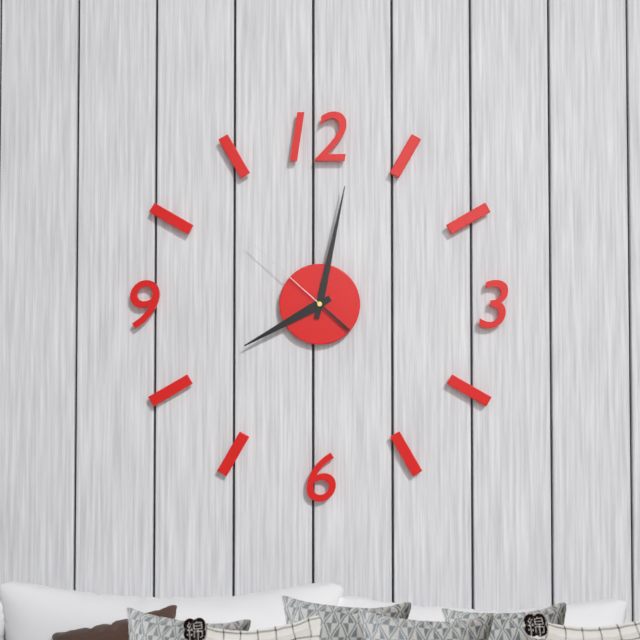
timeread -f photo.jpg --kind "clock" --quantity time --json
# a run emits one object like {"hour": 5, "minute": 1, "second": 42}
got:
{"hour": 8, "minute": 2, "second": 52}
